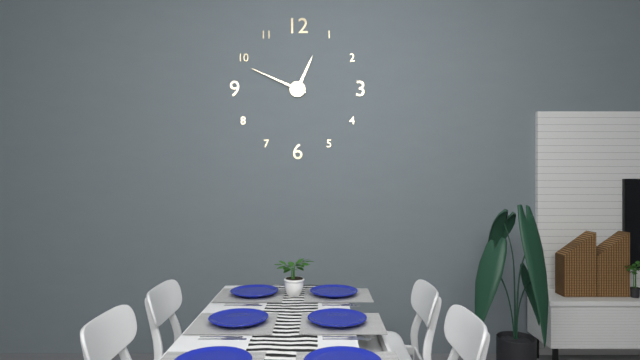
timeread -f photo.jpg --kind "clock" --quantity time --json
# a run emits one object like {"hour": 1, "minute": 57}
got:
{"hour": 12, "minute": 49}
